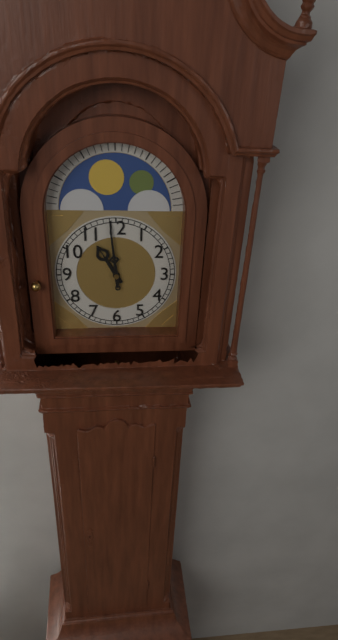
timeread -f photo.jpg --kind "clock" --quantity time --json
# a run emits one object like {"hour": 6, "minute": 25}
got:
{"hour": 10, "minute": 59}
